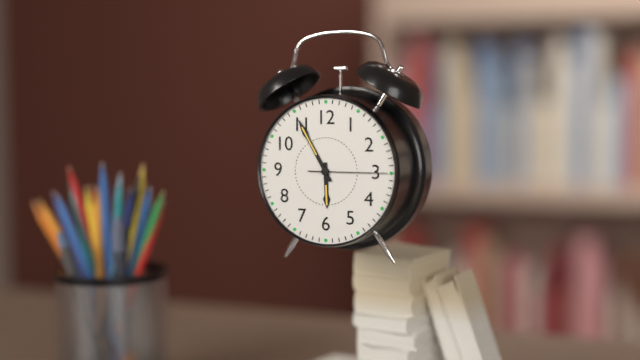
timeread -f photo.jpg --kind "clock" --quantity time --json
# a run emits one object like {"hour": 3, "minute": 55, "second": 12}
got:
{"hour": 5, "minute": 55, "second": 15}
